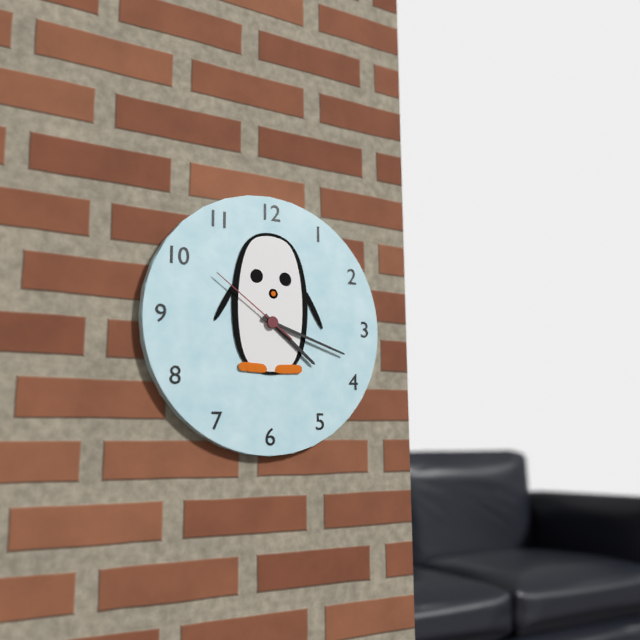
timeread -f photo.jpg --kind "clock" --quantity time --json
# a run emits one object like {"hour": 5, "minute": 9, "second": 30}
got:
{"hour": 4, "minute": 18, "second": 51}
